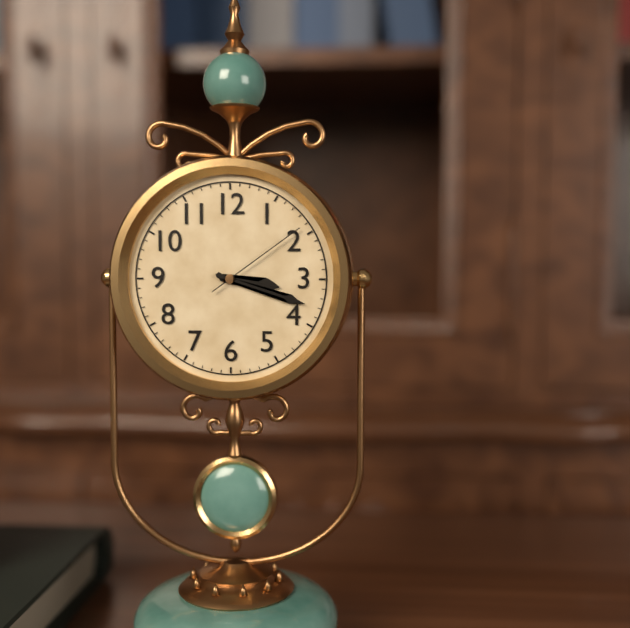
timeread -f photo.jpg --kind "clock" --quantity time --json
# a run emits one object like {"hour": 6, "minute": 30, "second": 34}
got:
{"hour": 3, "minute": 18, "second": 9}
